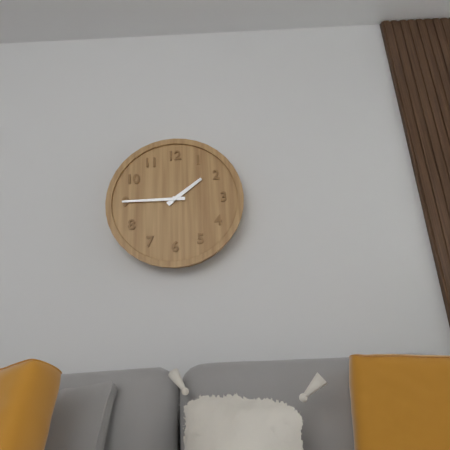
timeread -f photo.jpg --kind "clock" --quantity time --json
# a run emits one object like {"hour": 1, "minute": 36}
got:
{"hour": 1, "minute": 45}
